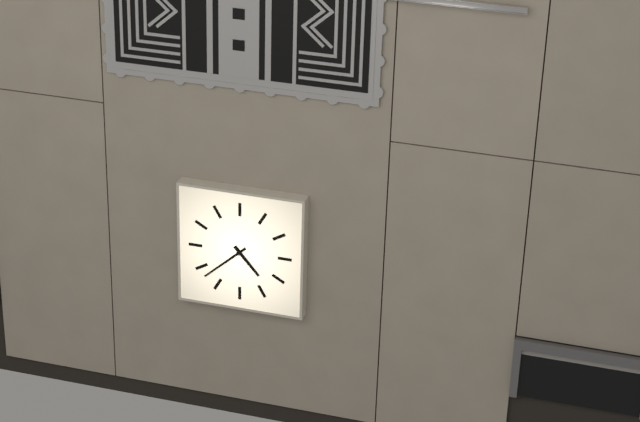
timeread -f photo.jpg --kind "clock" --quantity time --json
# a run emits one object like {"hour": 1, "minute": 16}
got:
{"hour": 4, "minute": 38}
